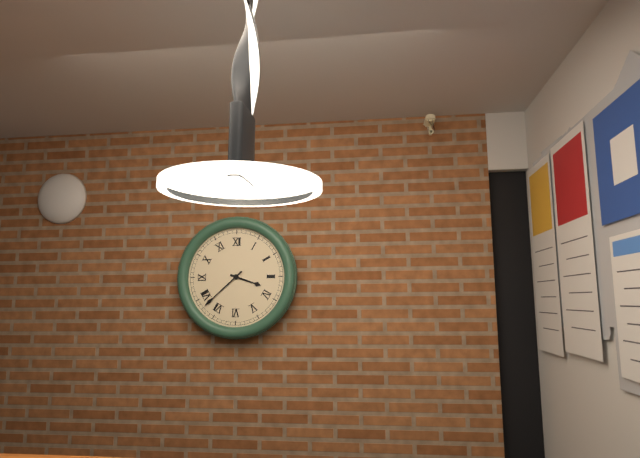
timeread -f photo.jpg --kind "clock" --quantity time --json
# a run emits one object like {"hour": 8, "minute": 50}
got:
{"hour": 3, "minute": 38}
